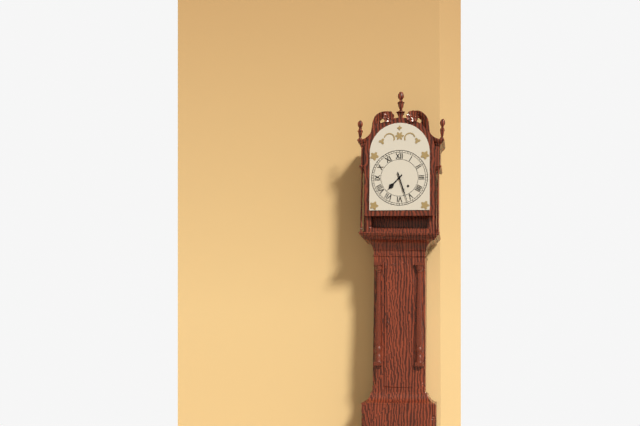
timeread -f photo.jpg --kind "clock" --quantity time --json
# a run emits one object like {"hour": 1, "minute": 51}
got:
{"hour": 7, "minute": 27}
